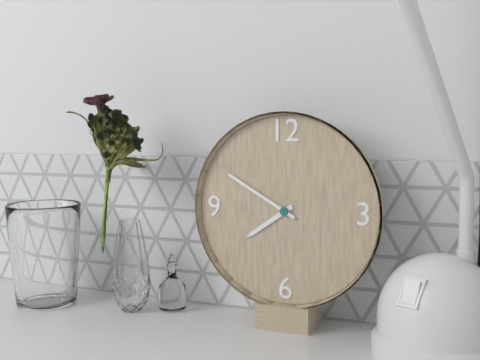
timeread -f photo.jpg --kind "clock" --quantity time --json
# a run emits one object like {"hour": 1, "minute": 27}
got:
{"hour": 7, "minute": 50}
